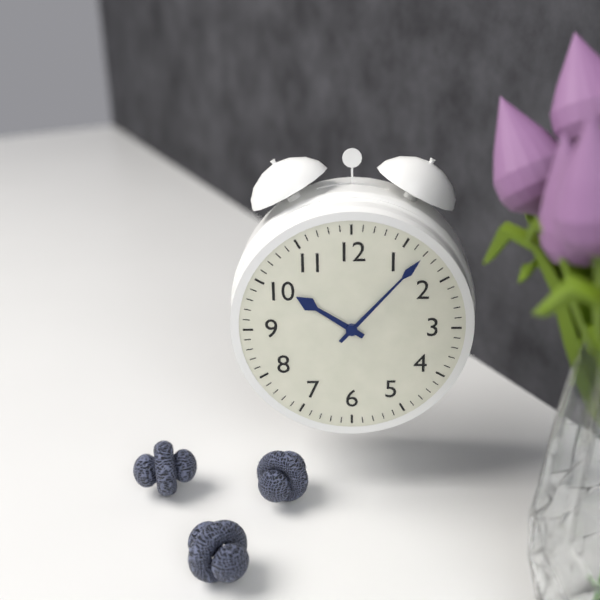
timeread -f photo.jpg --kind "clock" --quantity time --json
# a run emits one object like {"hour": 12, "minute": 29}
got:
{"hour": 10, "minute": 7}
